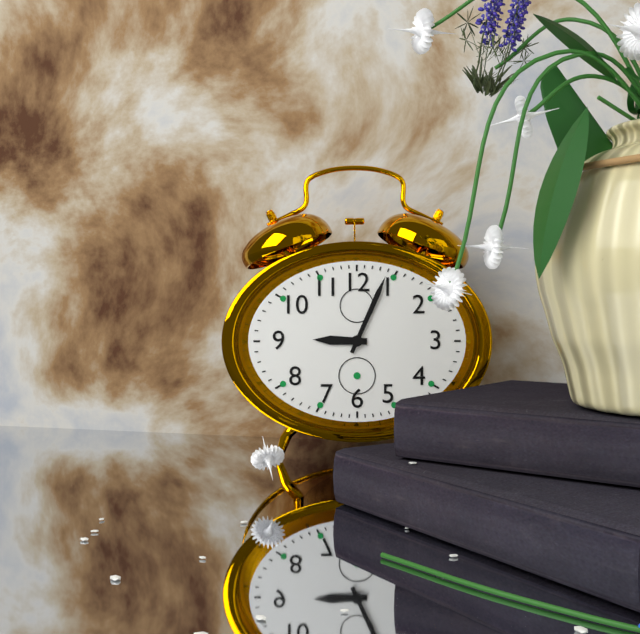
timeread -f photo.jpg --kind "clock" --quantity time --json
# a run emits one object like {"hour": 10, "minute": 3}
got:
{"hour": 9, "minute": 4}
